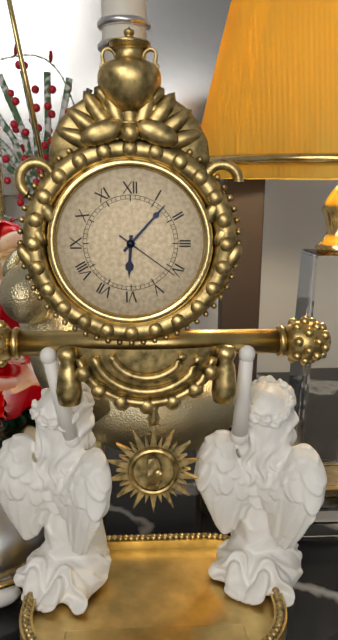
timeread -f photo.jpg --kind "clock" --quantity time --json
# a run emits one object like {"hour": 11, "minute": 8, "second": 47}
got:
{"hour": 6, "minute": 7, "second": 21}
